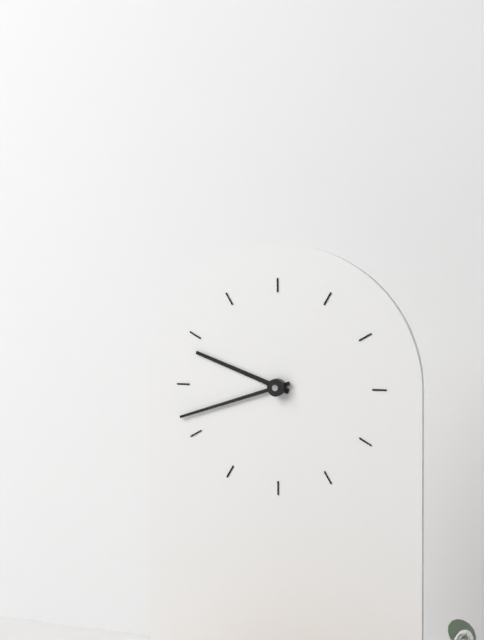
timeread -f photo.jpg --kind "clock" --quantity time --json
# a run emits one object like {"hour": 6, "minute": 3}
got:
{"hour": 9, "minute": 42}
